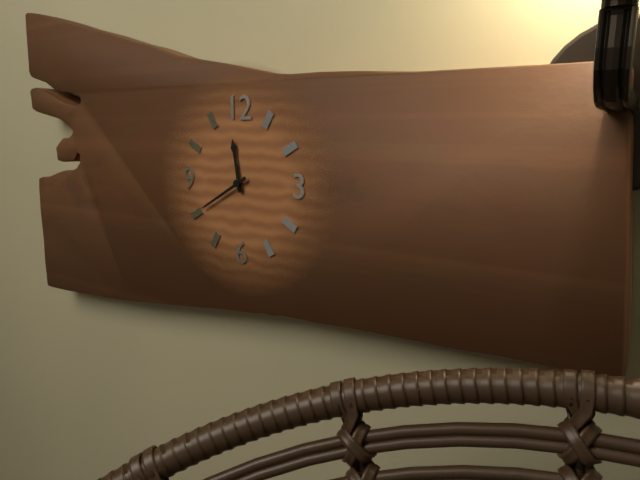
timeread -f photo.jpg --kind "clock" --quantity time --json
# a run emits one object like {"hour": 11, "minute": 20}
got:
{"hour": 11, "minute": 40}
